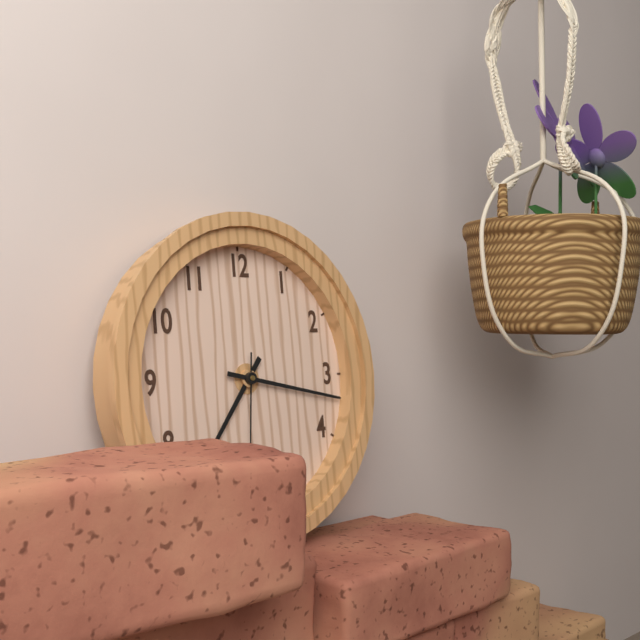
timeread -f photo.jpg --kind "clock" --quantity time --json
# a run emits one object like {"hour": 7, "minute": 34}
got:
{"hour": 7, "minute": 17}
